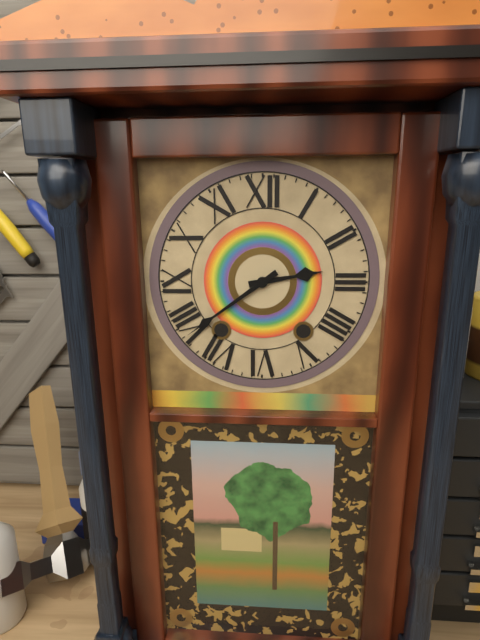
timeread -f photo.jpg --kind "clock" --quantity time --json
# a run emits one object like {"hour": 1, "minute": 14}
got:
{"hour": 2, "minute": 39}
